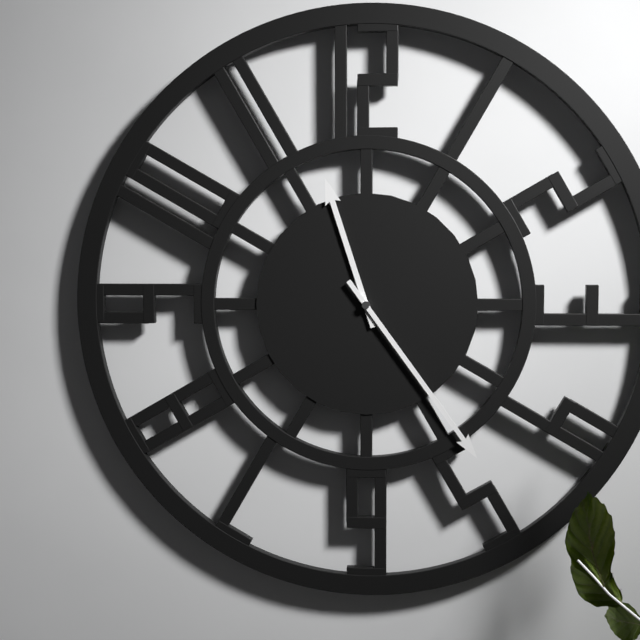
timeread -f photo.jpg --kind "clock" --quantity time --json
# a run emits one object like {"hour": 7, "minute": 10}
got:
{"hour": 11, "minute": 24}
